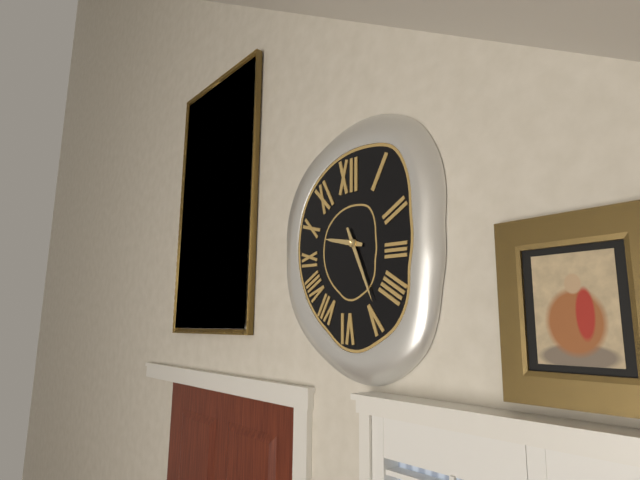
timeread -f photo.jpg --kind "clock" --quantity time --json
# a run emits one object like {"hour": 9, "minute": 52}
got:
{"hour": 9, "minute": 26}
